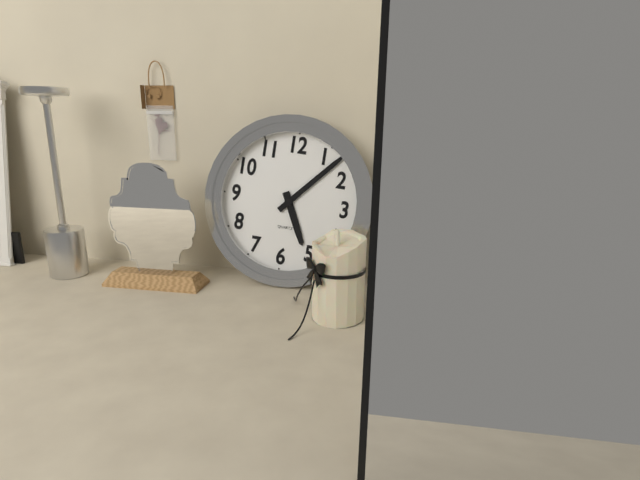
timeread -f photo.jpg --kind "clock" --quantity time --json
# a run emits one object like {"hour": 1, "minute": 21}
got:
{"hour": 5, "minute": 7}
